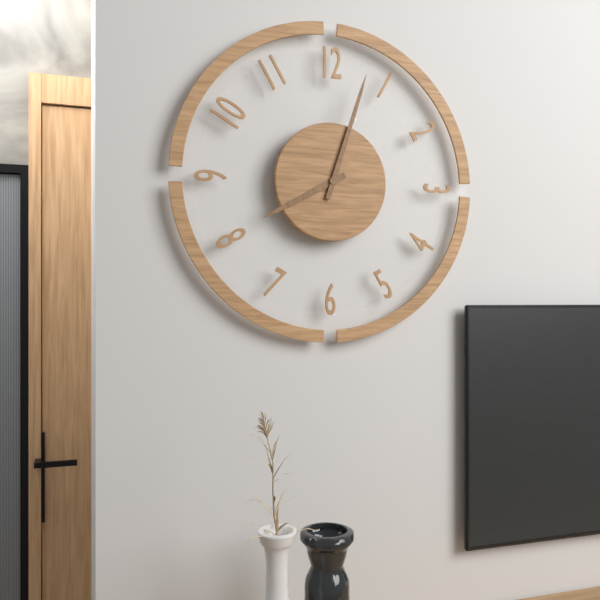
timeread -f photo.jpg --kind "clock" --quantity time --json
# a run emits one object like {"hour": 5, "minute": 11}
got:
{"hour": 8, "minute": 3}
